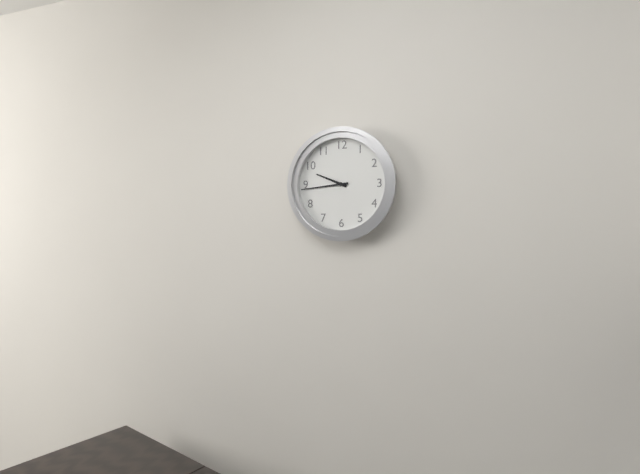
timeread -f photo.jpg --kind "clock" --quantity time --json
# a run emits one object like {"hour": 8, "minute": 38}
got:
{"hour": 9, "minute": 44}
